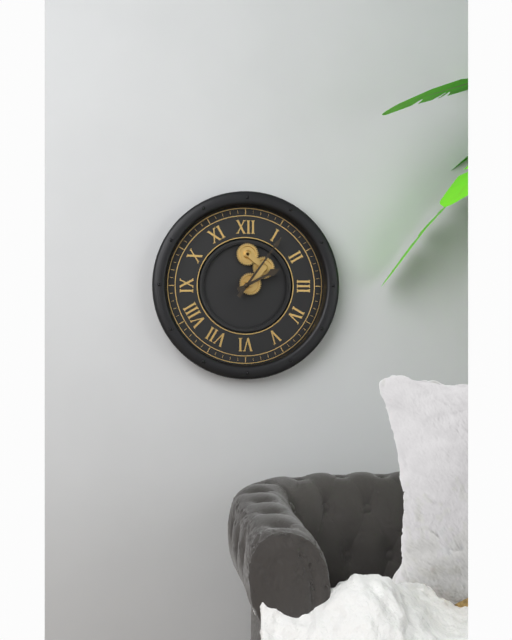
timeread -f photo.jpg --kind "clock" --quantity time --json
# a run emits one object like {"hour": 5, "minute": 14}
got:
{"hour": 2, "minute": 6}
